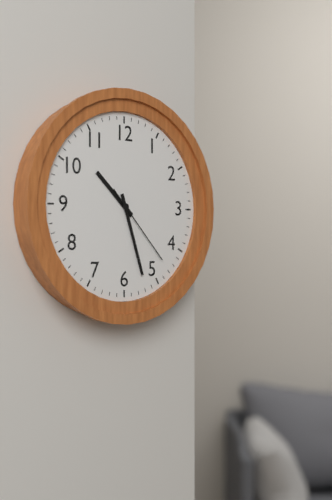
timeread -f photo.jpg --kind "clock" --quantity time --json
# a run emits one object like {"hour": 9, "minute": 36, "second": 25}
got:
{"hour": 10, "minute": 27, "second": 23}
